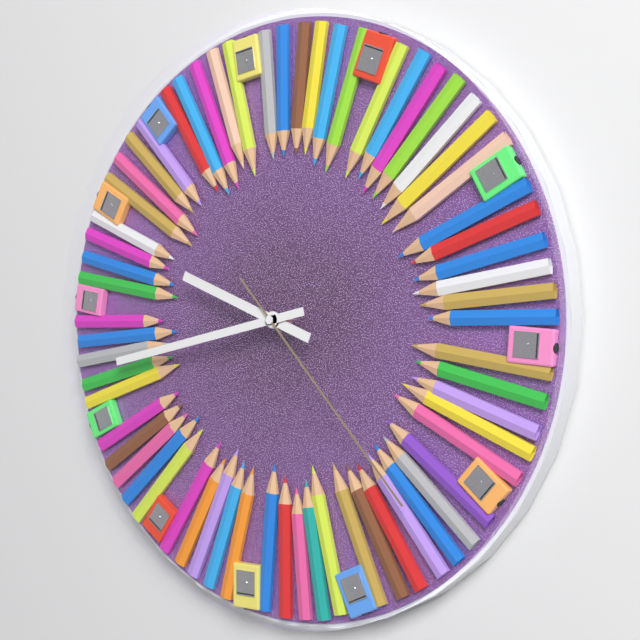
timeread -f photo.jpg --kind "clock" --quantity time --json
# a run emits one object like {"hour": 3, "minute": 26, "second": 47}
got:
{"hour": 9, "minute": 43, "second": 23}
